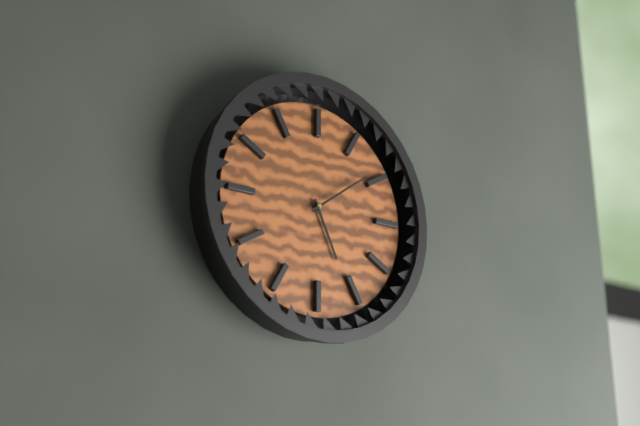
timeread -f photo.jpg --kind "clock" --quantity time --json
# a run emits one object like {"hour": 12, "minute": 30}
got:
{"hour": 5, "minute": 9}
